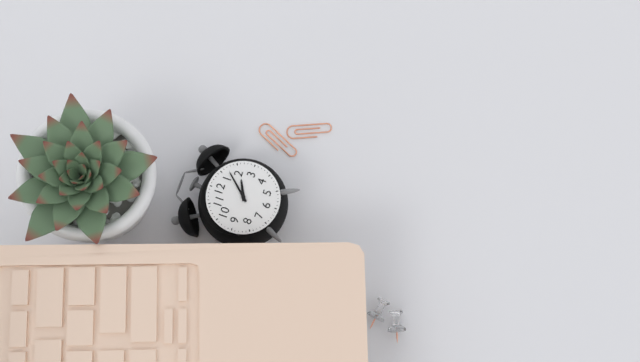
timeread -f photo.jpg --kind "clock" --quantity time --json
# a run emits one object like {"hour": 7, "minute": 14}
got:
{"hour": 2, "minute": 7}
